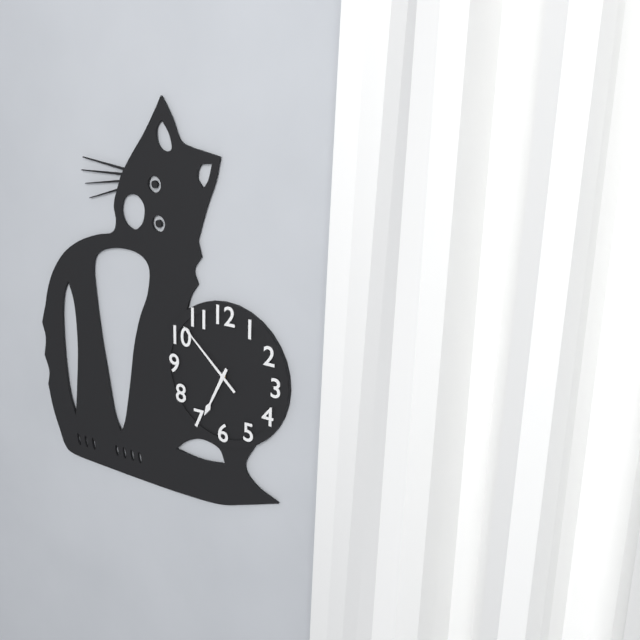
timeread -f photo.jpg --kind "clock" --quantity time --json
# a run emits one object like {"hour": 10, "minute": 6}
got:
{"hour": 6, "minute": 52}
